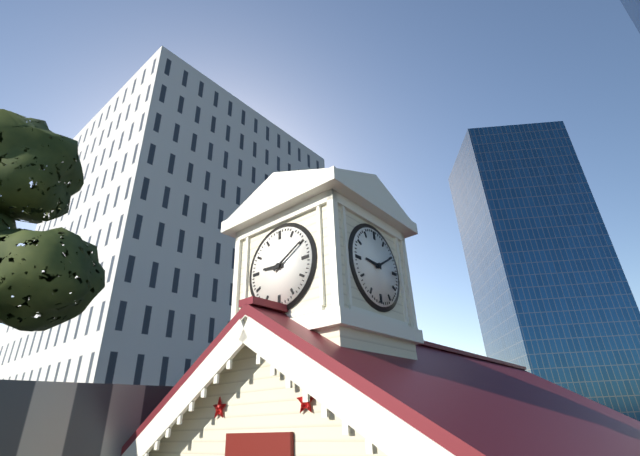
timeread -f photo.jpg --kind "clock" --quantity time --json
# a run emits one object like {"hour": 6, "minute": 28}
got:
{"hour": 9, "minute": 10}
